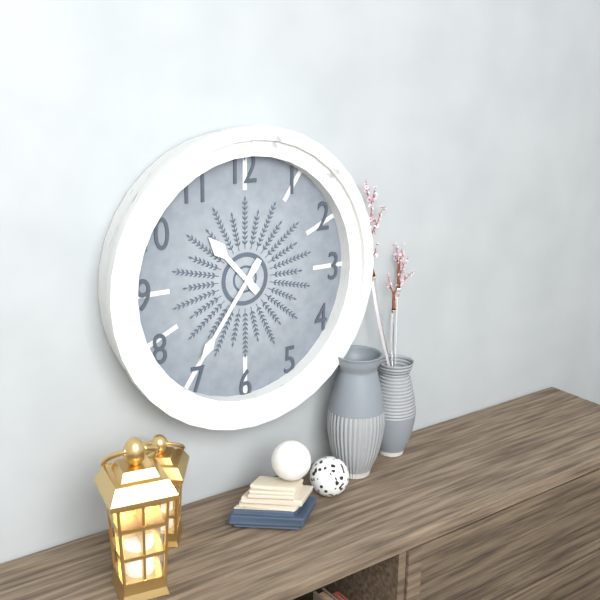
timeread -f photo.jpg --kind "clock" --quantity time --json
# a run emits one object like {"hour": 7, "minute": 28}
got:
{"hour": 10, "minute": 36}
